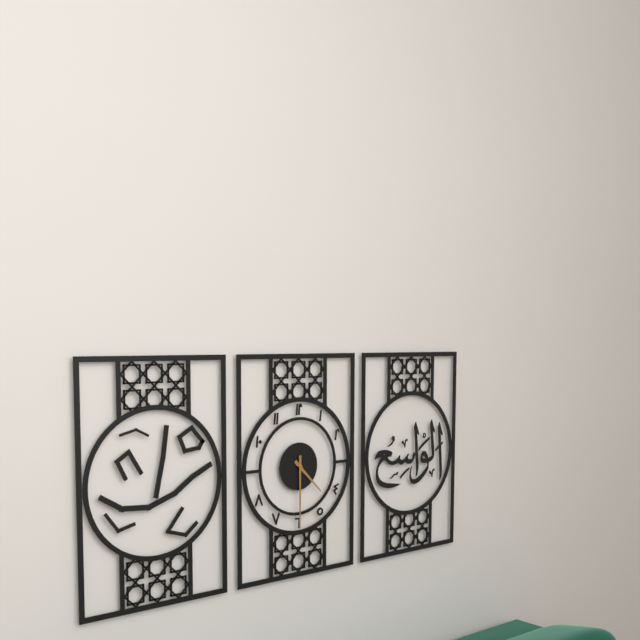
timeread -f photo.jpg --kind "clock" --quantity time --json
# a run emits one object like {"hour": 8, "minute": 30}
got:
{"hour": 4, "minute": 30}
